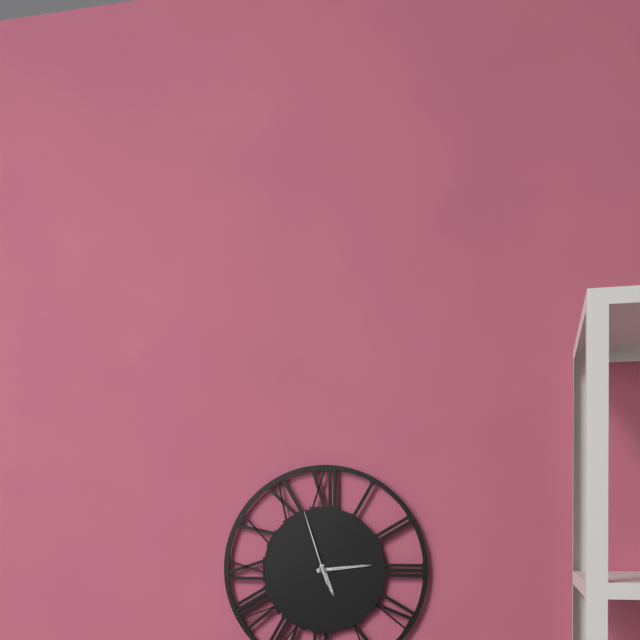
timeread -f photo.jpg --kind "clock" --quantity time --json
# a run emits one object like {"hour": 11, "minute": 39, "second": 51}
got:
{"hour": 5, "minute": 14, "second": 57}
